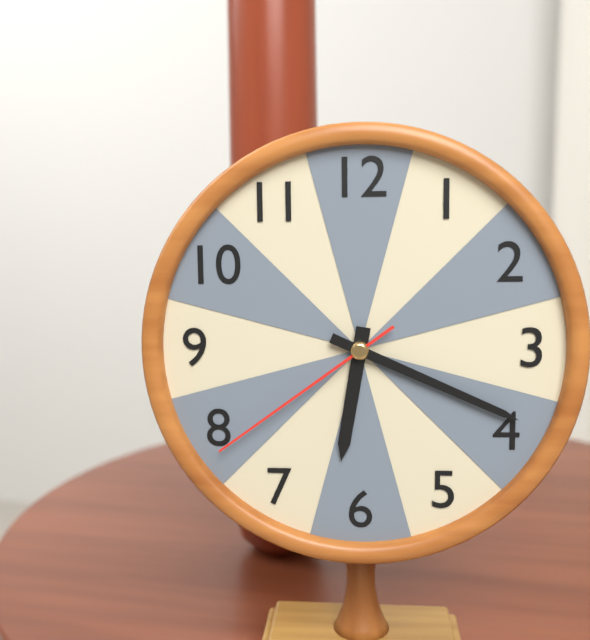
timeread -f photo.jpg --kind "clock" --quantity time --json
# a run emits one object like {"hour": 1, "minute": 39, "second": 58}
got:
{"hour": 6, "minute": 19, "second": 39}
